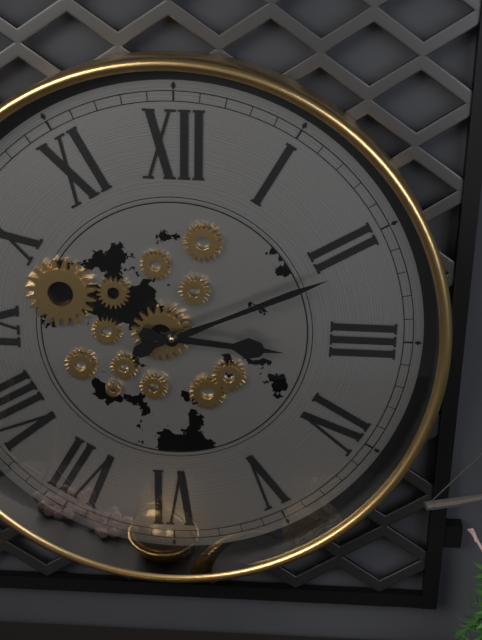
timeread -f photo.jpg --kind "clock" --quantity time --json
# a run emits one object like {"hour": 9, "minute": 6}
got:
{"hour": 3, "minute": 11}
